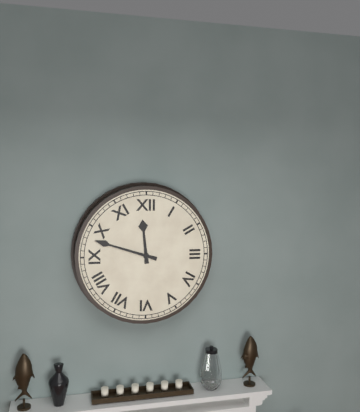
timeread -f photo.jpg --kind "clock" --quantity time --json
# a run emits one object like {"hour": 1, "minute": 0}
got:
{"hour": 11, "minute": 48}
